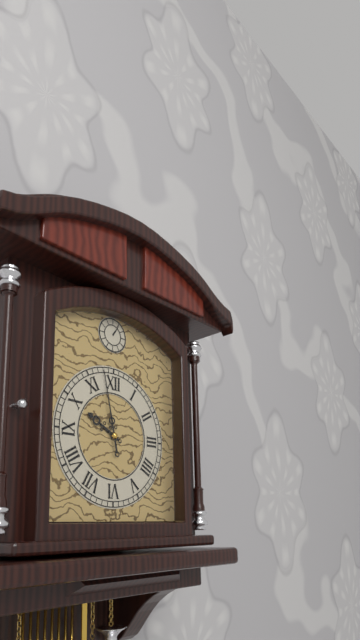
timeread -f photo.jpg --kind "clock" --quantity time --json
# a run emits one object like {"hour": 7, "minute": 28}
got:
{"hour": 9, "minute": 58}
